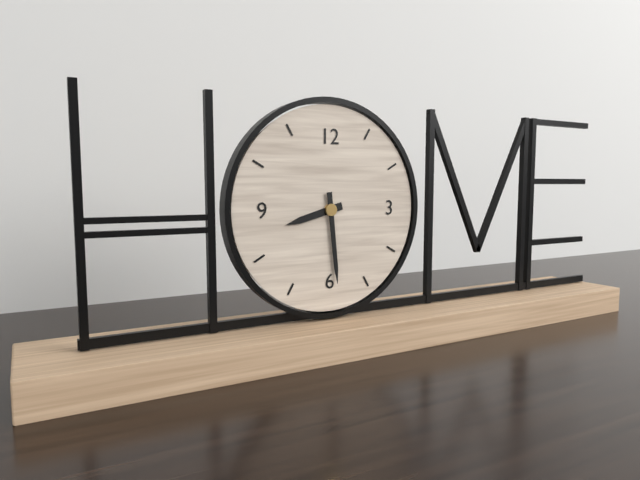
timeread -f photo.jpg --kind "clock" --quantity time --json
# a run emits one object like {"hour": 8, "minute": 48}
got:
{"hour": 8, "minute": 29}
